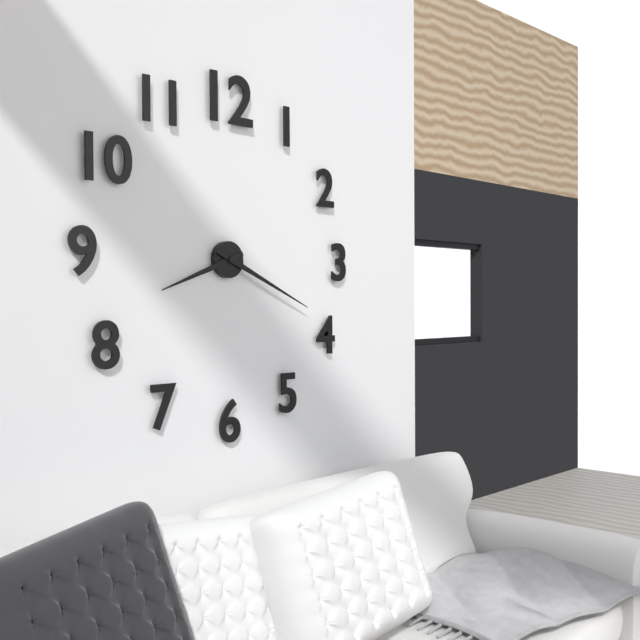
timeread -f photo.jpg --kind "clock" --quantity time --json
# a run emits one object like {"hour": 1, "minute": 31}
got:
{"hour": 8, "minute": 19}
